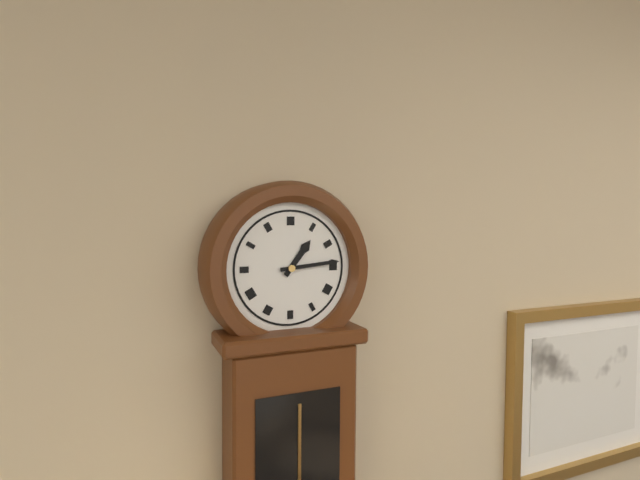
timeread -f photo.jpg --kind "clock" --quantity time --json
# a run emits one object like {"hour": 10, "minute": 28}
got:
{"hour": 1, "minute": 14}
